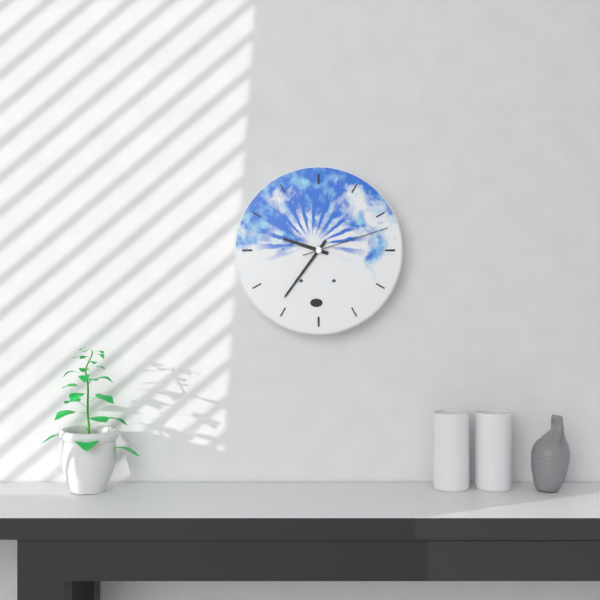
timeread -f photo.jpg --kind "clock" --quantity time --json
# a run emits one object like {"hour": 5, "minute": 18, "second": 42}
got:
{"hour": 9, "minute": 36, "second": 12}
